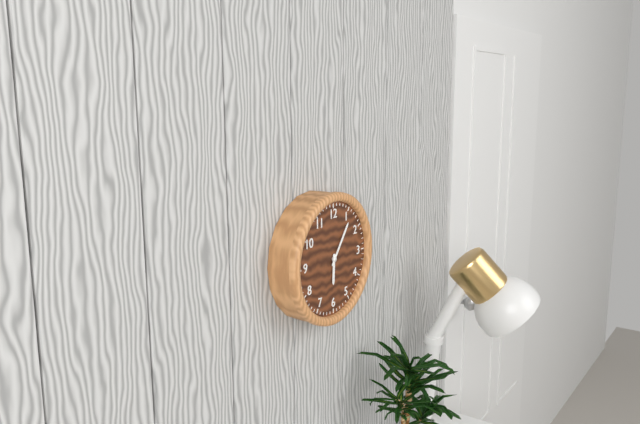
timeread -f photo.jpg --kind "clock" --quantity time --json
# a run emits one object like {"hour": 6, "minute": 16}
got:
{"hour": 6, "minute": 6}
